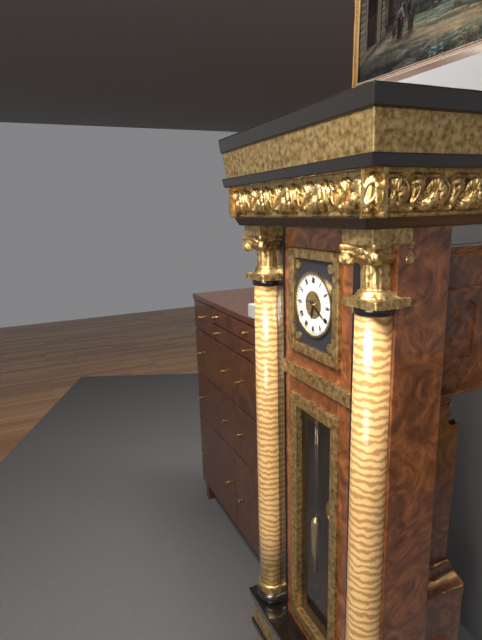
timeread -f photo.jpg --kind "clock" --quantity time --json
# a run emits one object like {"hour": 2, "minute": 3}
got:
{"hour": 6, "minute": 20}
